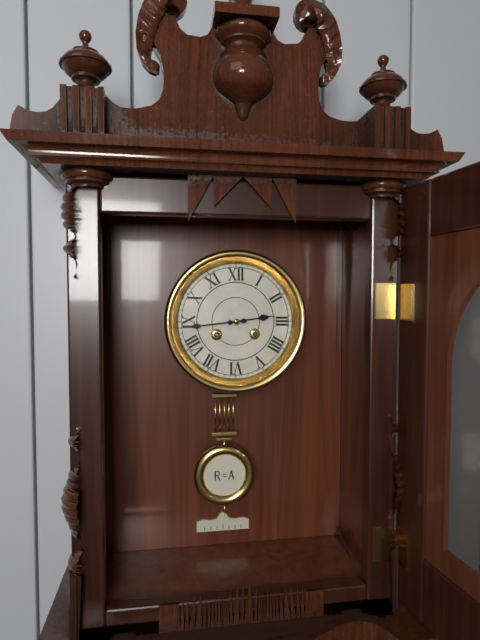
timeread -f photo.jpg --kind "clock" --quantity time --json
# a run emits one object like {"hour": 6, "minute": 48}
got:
{"hour": 2, "minute": 44}
